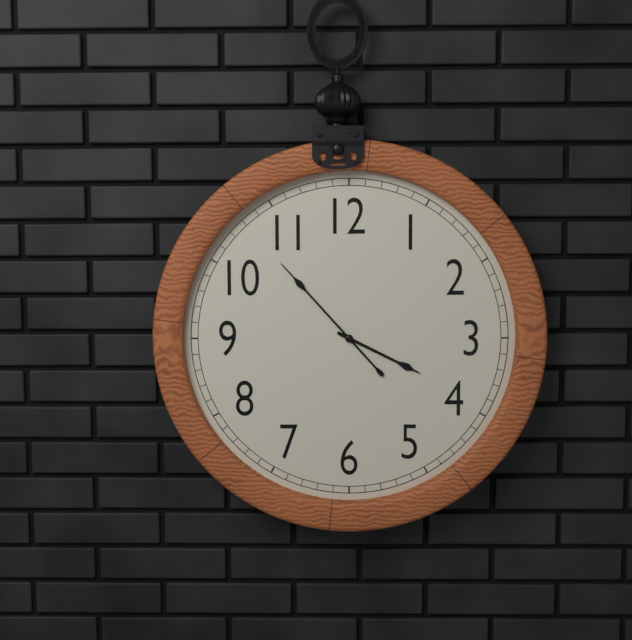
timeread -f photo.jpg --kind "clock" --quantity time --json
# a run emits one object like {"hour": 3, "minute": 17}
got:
{"hour": 3, "minute": 53}
